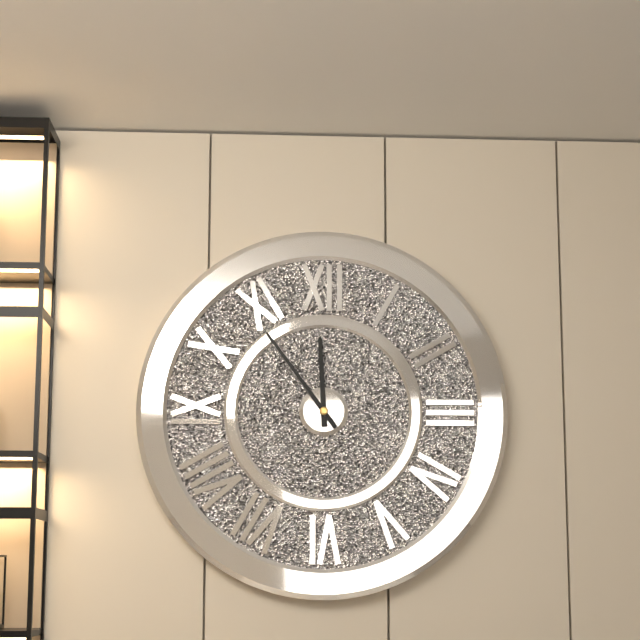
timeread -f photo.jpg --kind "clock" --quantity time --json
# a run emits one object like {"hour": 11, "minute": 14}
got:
{"hour": 11, "minute": 54}
